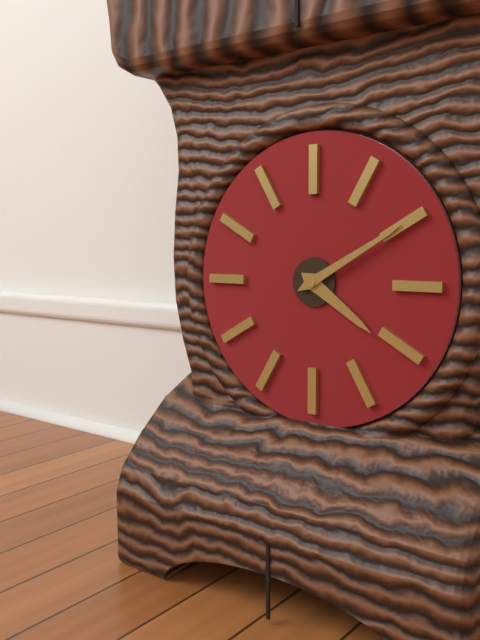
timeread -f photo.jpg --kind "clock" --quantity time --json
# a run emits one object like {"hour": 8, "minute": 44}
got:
{"hour": 4, "minute": 10}
